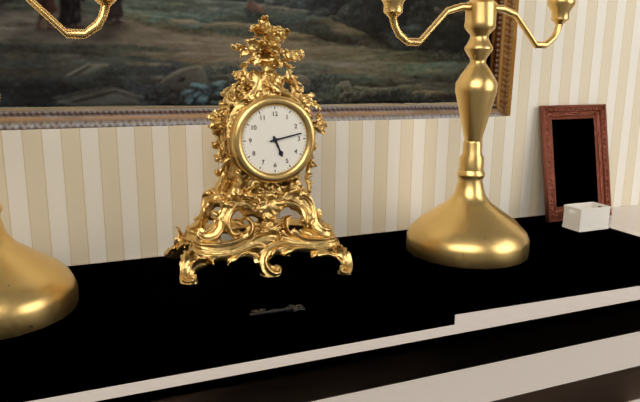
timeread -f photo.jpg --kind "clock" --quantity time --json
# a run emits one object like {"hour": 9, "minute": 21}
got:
{"hour": 5, "minute": 13}
